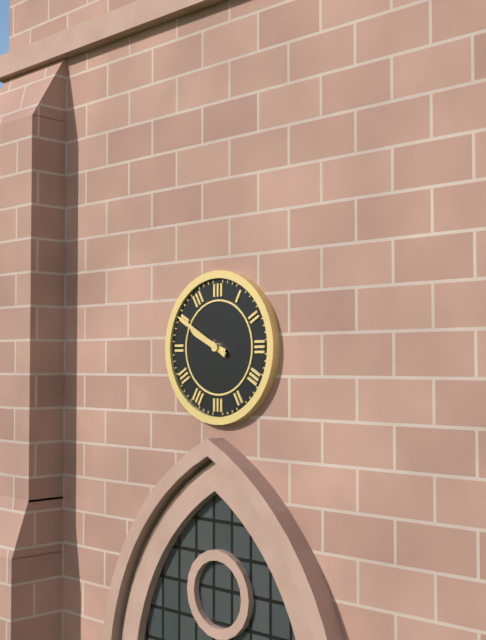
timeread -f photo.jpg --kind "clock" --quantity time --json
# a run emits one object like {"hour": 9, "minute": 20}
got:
{"hour": 9, "minute": 50}
